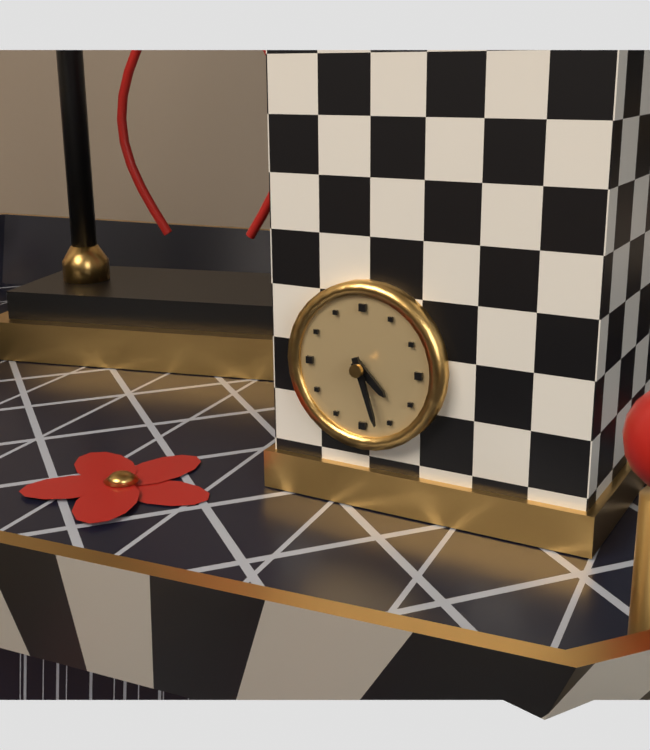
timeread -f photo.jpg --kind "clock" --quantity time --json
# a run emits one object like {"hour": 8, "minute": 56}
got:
{"hour": 4, "minute": 27}
